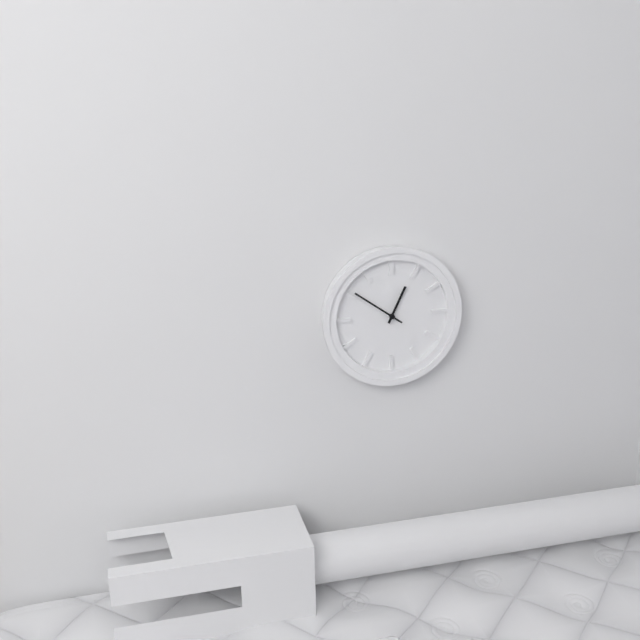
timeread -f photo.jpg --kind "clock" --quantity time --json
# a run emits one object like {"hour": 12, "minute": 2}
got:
{"hour": 12, "minute": 51}
